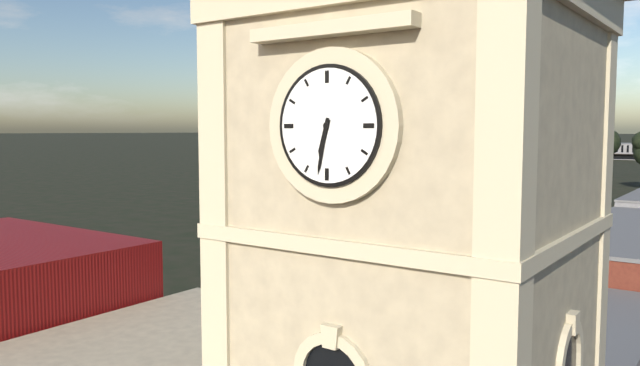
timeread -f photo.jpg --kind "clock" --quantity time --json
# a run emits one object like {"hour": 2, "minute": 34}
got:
{"hour": 6, "minute": 32}
